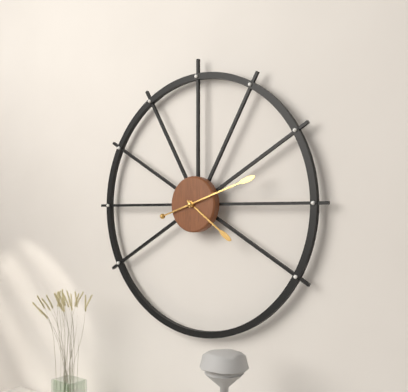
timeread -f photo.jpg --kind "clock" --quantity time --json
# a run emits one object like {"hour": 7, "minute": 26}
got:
{"hour": 4, "minute": 12}
